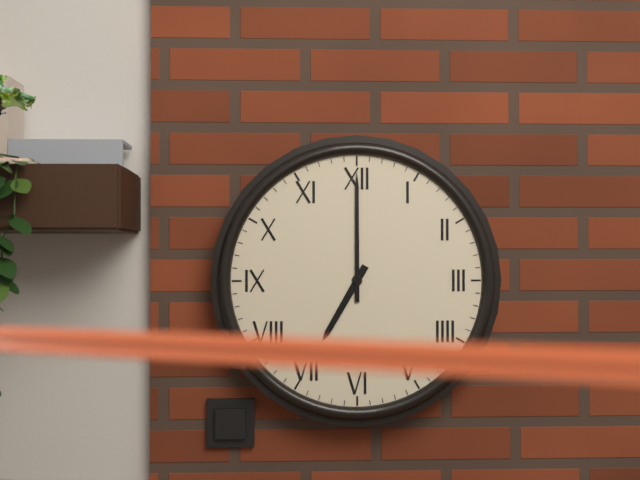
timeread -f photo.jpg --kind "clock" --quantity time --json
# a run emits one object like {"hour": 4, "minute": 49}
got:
{"hour": 7, "minute": 0}
